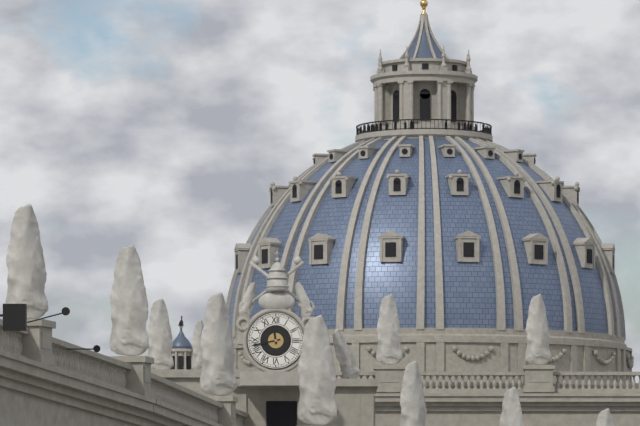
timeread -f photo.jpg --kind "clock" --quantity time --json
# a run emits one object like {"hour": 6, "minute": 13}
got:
{"hour": 11, "minute": 43}
